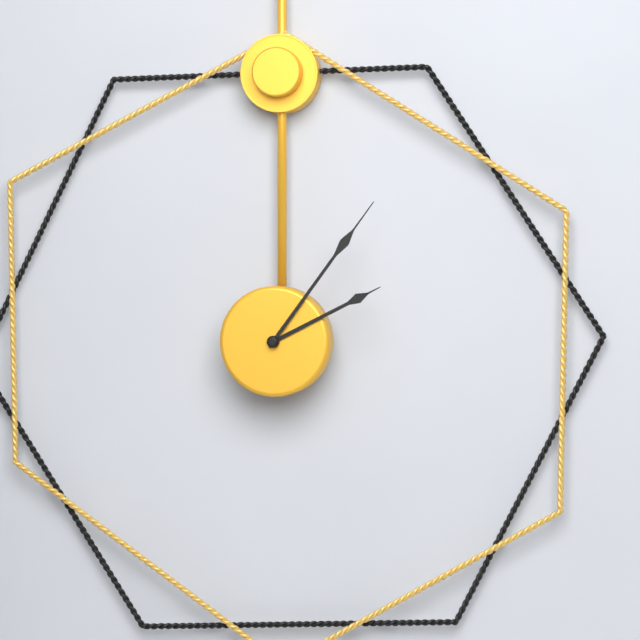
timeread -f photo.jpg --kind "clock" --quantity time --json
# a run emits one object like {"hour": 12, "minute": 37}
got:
{"hour": 2, "minute": 6}
